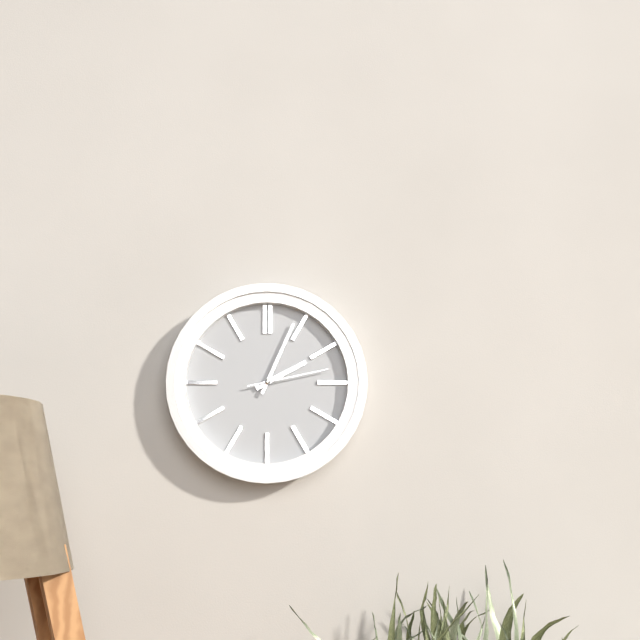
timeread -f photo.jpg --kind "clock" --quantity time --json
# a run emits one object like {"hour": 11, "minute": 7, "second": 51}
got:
{"hour": 2, "minute": 4, "second": 13}
